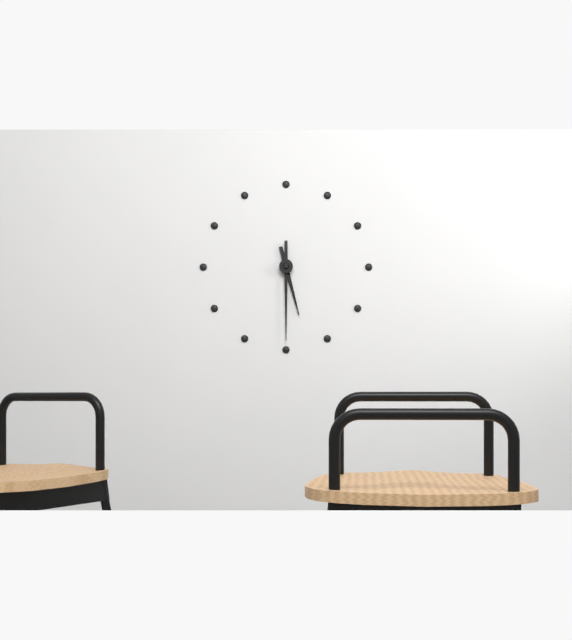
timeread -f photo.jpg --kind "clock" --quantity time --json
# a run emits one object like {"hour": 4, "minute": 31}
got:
{"hour": 5, "minute": 30}
